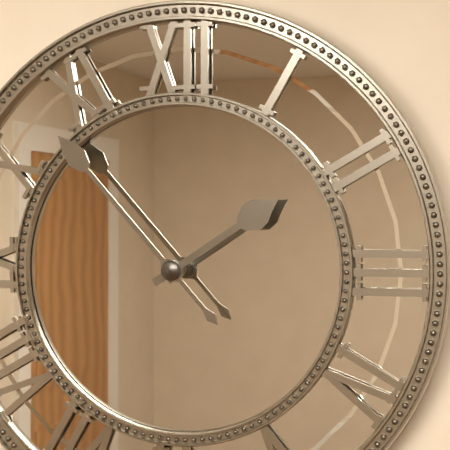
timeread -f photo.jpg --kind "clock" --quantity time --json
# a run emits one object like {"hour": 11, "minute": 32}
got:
{"hour": 1, "minute": 53}
